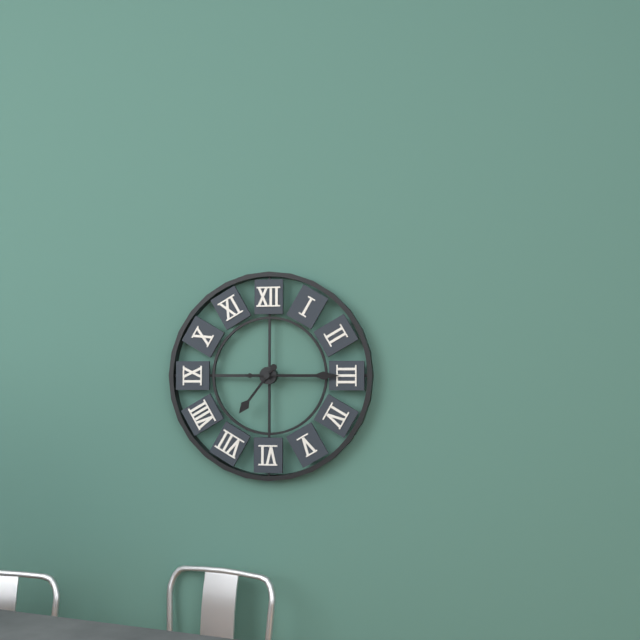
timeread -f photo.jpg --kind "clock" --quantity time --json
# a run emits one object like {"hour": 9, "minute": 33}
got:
{"hour": 7, "minute": 15}
